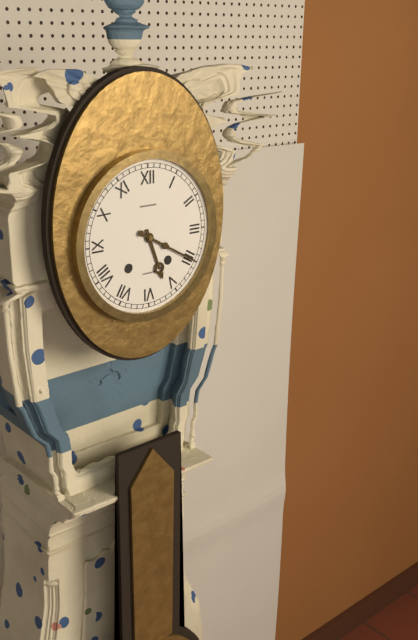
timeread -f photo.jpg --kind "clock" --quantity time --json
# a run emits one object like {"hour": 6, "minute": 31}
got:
{"hour": 5, "minute": 20}
